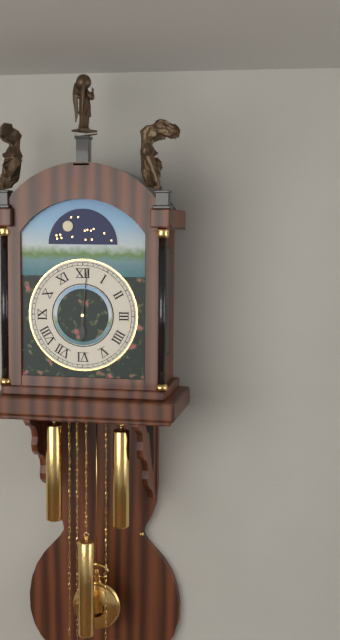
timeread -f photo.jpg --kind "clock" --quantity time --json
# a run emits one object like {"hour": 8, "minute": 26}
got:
{"hour": 6, "minute": 1}
